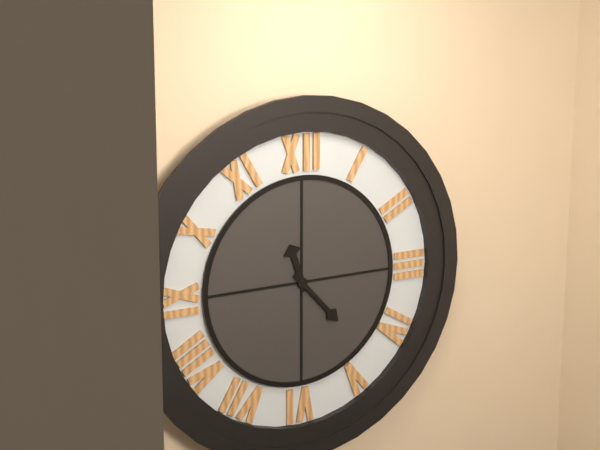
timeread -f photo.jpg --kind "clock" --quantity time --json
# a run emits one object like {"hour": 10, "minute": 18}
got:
{"hour": 11, "minute": 23}
